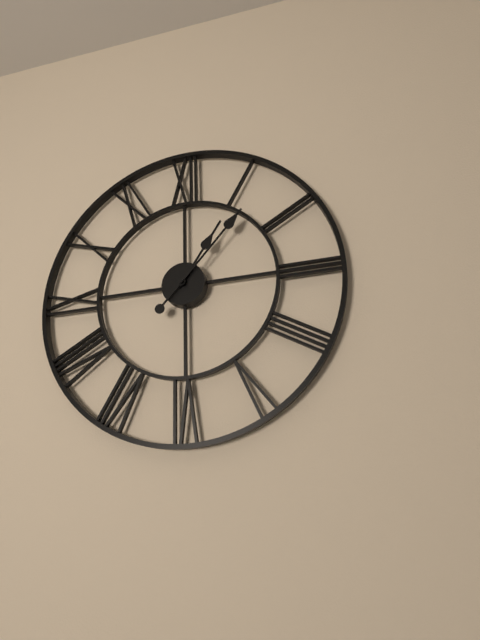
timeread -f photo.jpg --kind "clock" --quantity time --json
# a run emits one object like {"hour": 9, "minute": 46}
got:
{"hour": 1, "minute": 7}
